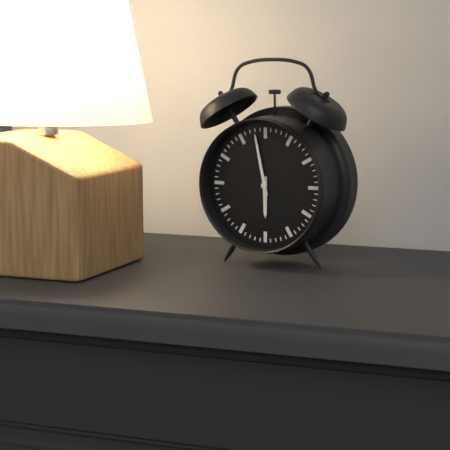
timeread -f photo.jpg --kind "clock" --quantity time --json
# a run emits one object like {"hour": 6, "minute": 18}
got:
{"hour": 5, "minute": 58}
